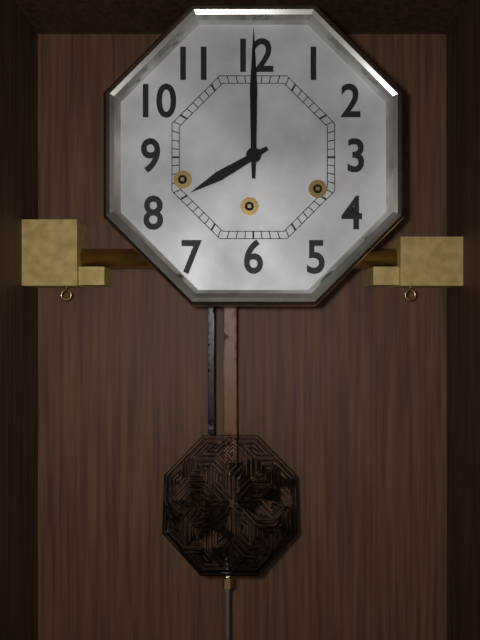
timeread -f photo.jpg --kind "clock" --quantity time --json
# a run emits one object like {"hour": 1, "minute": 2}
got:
{"hour": 8, "minute": 0}
